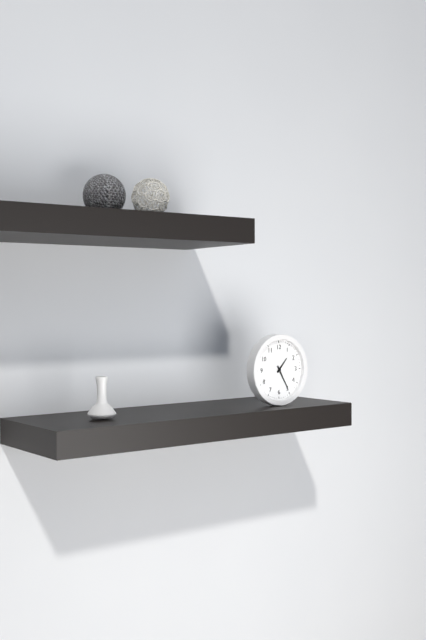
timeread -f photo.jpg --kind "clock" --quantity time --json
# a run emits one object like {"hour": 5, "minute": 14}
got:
{"hour": 1, "minute": 25}
